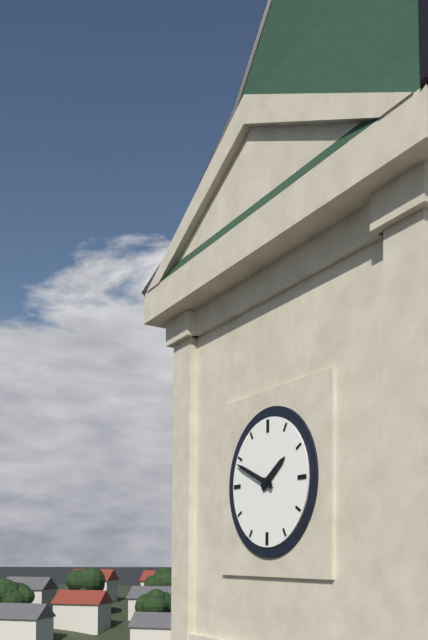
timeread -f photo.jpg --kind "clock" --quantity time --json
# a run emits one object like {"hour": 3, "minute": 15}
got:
{"hour": 1, "minute": 49}
